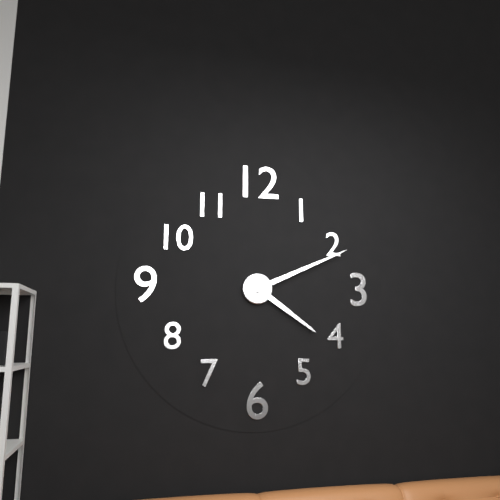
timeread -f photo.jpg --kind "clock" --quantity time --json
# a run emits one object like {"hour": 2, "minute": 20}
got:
{"hour": 4, "minute": 11}
